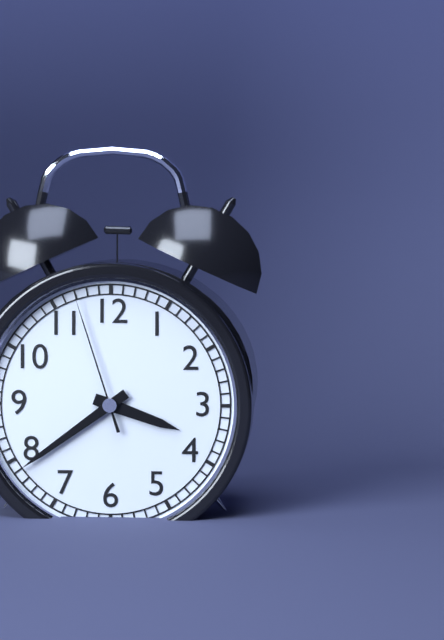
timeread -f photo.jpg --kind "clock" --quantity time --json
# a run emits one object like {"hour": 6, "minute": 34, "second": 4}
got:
{"hour": 3, "minute": 39, "second": 57}
